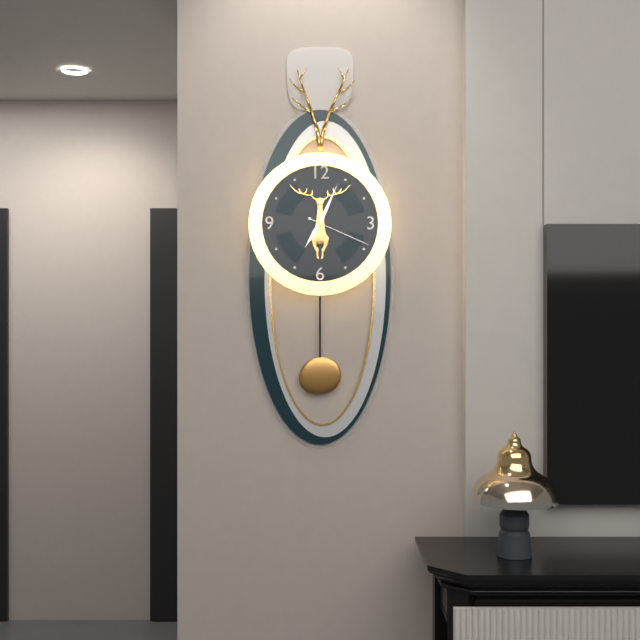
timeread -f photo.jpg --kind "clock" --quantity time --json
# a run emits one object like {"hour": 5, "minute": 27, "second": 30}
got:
{"hour": 7, "minute": 4, "second": 19}
